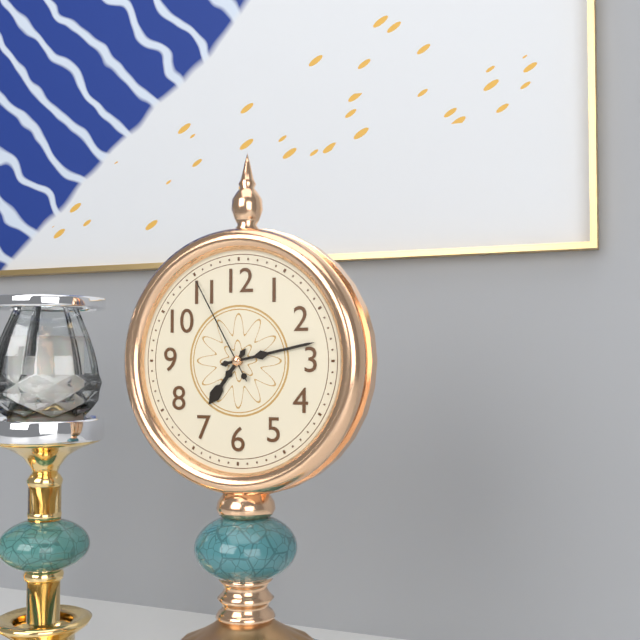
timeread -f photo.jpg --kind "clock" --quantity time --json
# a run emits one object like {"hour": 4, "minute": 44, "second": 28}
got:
{"hour": 7, "minute": 13, "second": 55}
